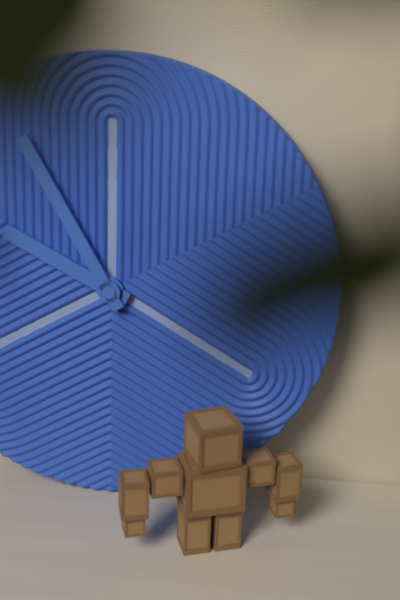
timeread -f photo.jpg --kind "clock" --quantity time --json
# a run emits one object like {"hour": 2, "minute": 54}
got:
{"hour": 9, "minute": 55}
